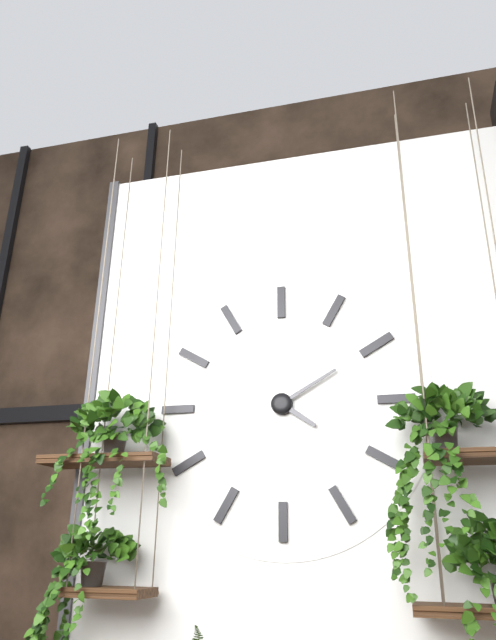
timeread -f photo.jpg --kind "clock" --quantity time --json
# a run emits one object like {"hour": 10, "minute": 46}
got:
{"hour": 4, "minute": 10}
